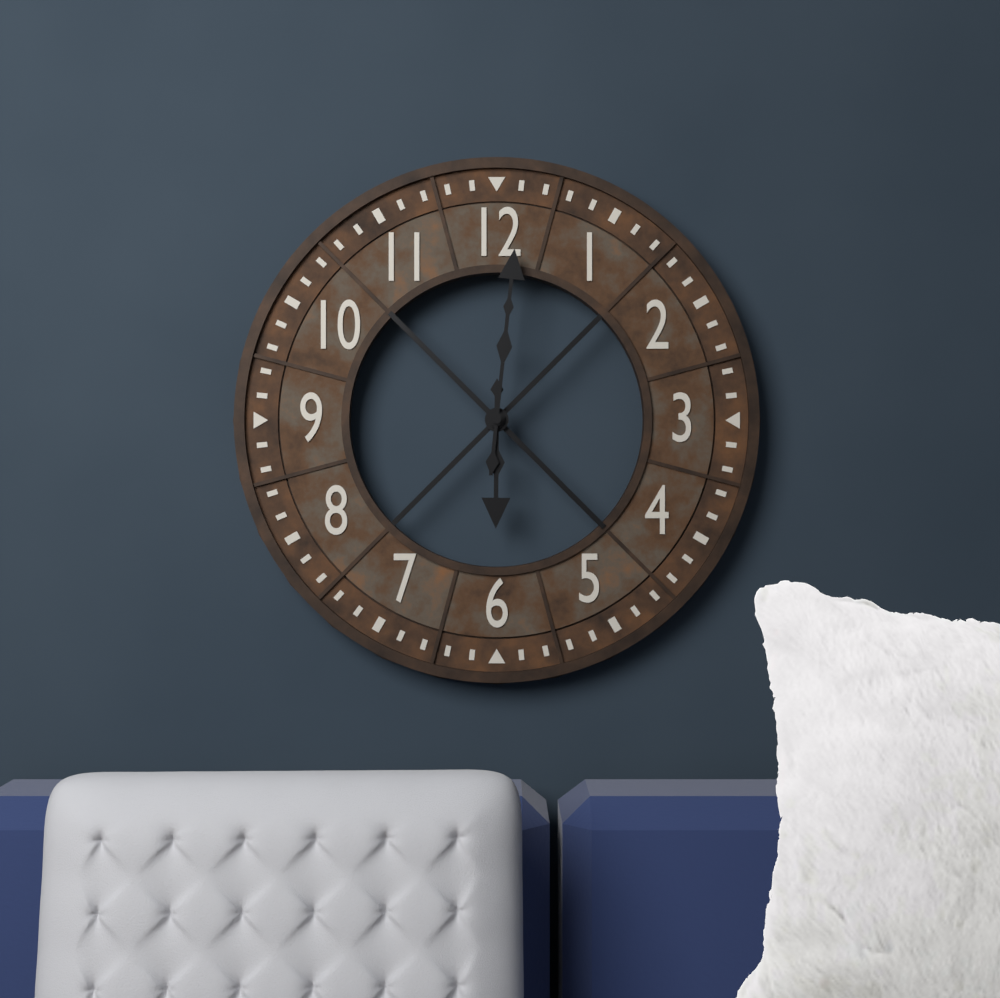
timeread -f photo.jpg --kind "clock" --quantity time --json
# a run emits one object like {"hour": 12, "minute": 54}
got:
{"hour": 6, "minute": 1}
